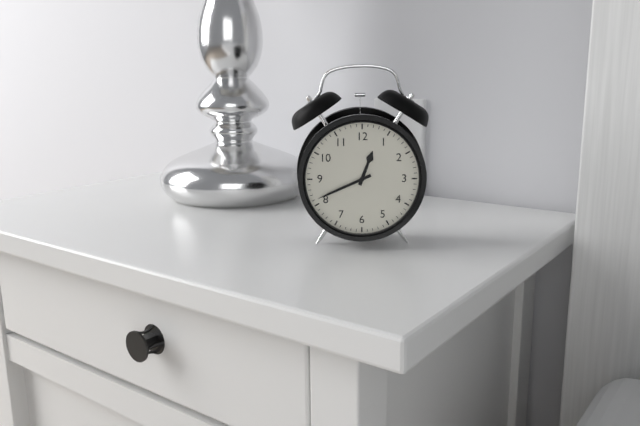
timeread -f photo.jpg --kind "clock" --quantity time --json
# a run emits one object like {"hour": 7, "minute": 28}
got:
{"hour": 12, "minute": 41}
